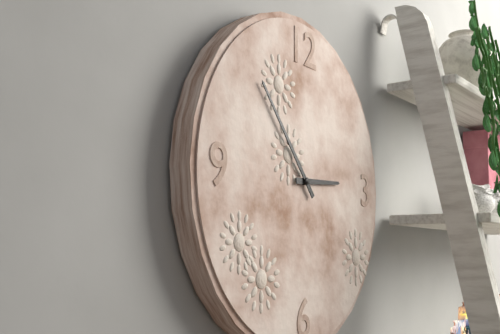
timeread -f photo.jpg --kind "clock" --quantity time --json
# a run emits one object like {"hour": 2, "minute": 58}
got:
{"hour": 2, "minute": 53}
